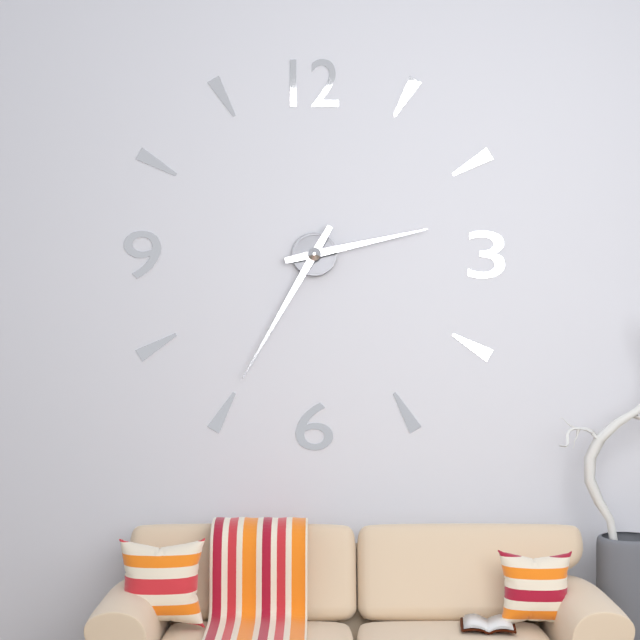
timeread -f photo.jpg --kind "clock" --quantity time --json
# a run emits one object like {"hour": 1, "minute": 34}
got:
{"hour": 2, "minute": 35}
